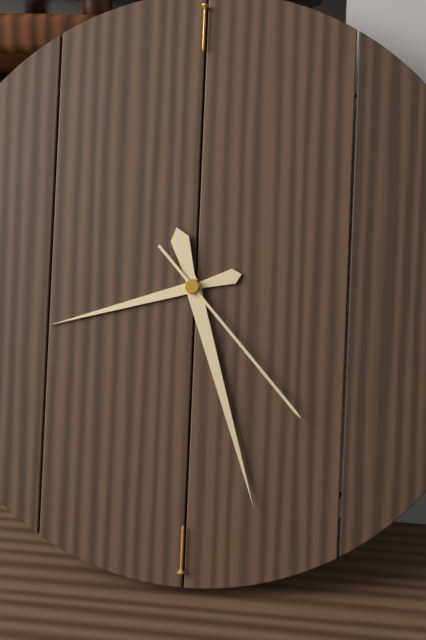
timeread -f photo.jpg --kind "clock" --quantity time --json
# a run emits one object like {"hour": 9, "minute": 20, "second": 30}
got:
{"hour": 8, "minute": 27, "second": 23}
